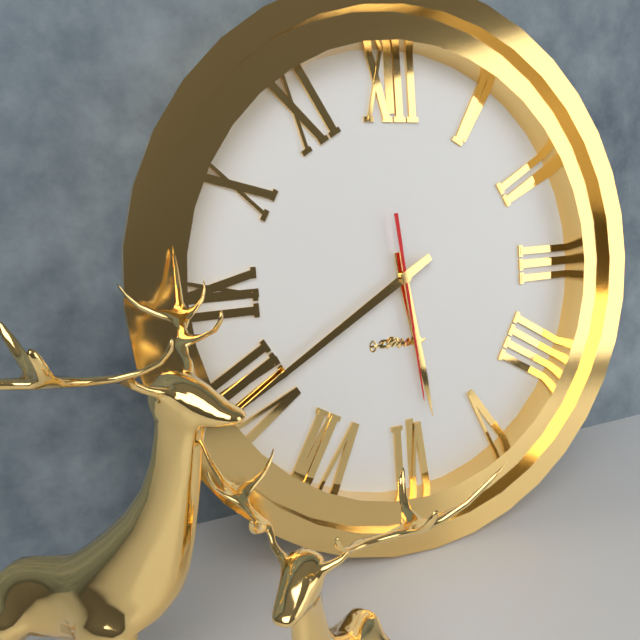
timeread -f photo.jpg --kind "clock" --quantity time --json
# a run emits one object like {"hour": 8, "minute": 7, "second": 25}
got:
{"hour": 5, "minute": 40, "second": 29}
